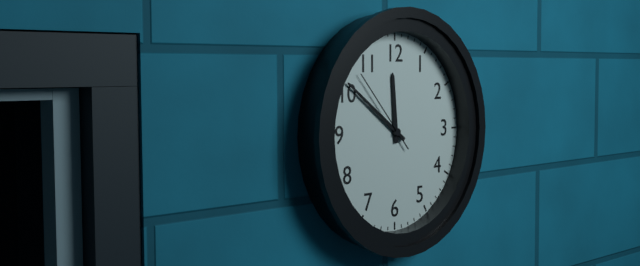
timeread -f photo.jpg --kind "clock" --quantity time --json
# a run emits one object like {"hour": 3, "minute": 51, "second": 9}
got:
{"hour": 11, "minute": 51, "second": 53}
